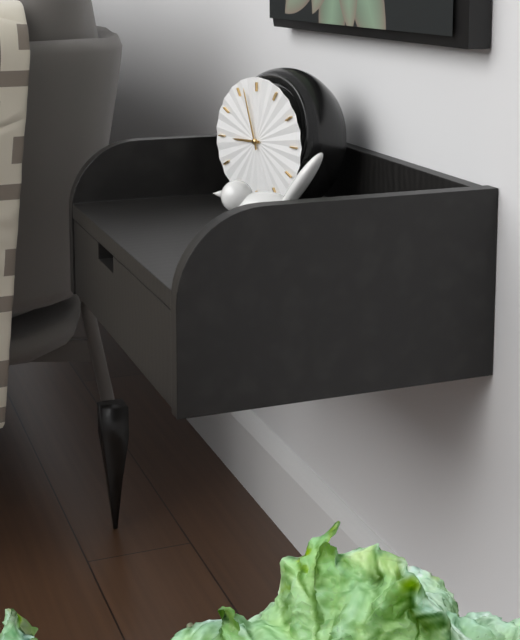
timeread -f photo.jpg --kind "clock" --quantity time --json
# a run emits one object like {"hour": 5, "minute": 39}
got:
{"hour": 8, "minute": 57}
